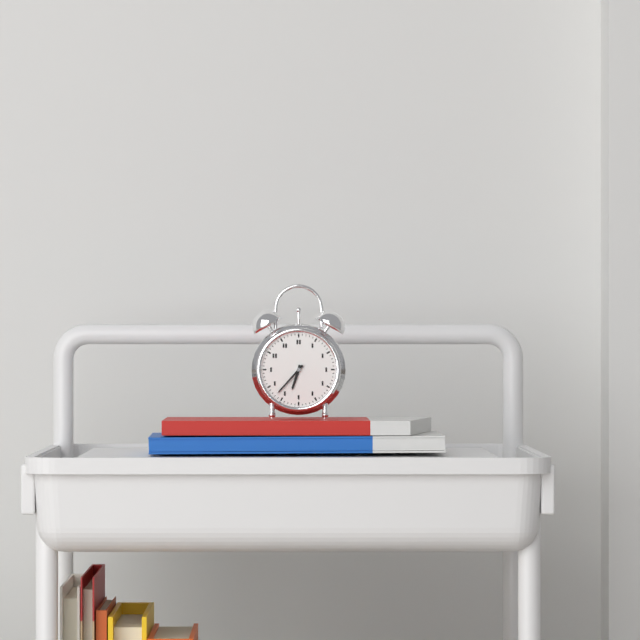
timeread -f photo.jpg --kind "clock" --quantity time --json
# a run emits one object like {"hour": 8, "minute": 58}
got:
{"hour": 6, "minute": 37}
